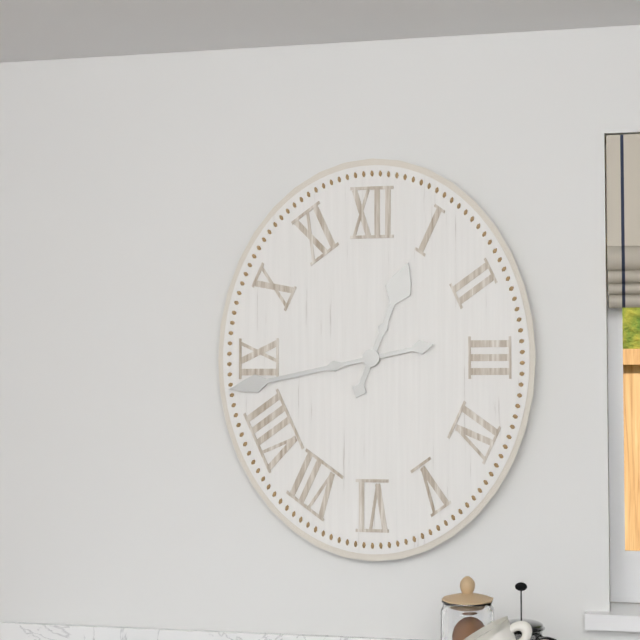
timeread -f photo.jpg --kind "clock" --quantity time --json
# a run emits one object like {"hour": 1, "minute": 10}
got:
{"hour": 12, "minute": 43}
